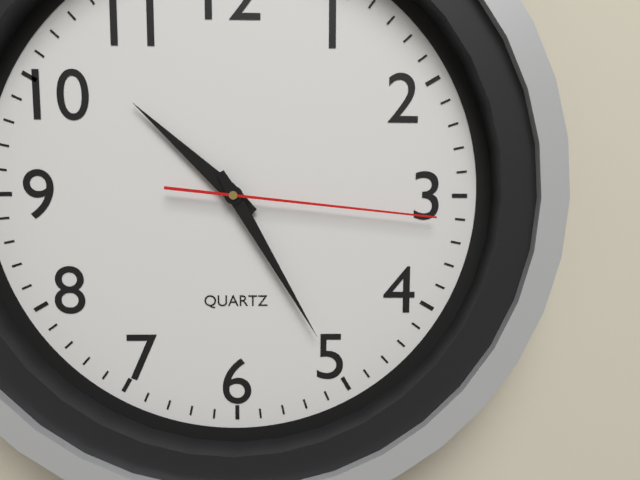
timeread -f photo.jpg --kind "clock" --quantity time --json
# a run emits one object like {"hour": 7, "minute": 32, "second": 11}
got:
{"hour": 10, "minute": 25, "second": 16}
